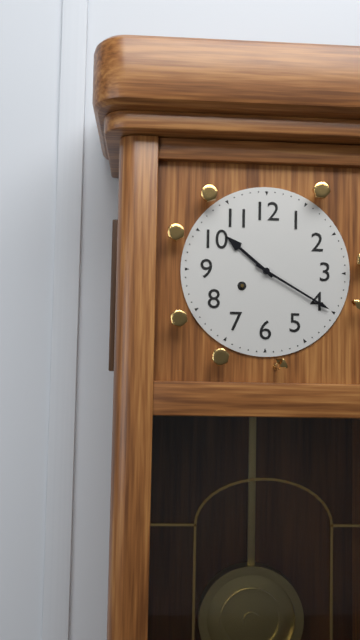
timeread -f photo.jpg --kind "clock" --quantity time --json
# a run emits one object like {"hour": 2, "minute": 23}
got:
{"hour": 10, "minute": 20}
